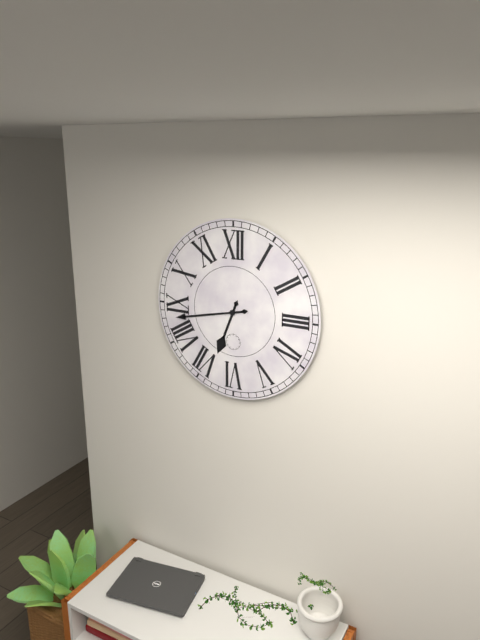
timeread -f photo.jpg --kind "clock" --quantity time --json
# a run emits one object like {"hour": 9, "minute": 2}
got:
{"hour": 6, "minute": 43}
